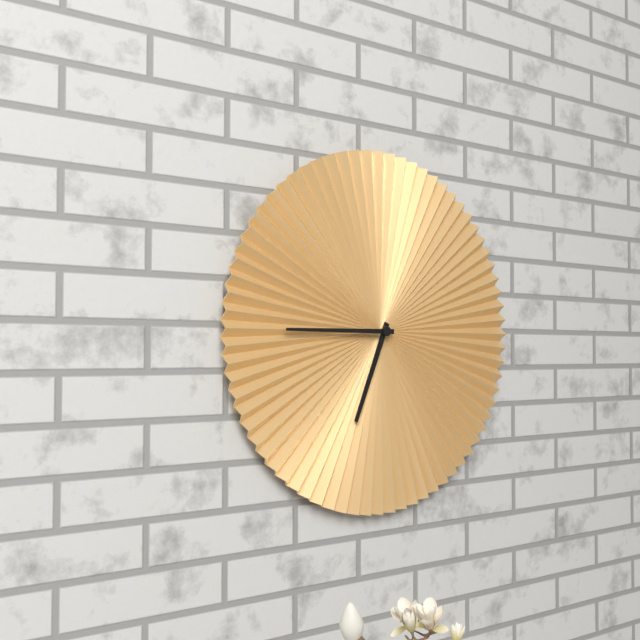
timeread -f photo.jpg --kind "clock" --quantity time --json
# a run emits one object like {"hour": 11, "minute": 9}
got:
{"hour": 6, "minute": 45}
